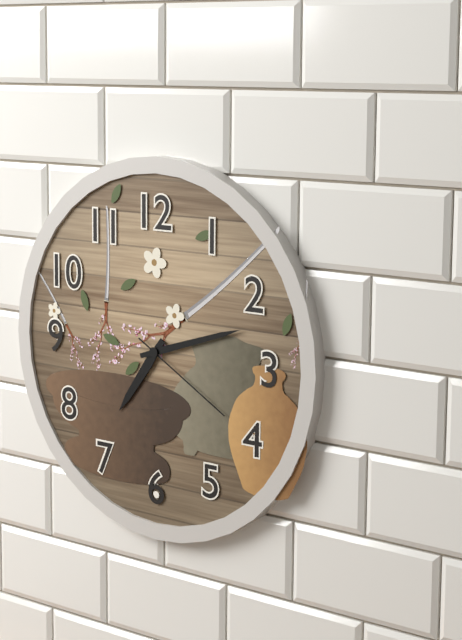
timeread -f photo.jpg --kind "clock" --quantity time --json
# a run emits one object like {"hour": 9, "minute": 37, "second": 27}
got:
{"hour": 7, "minute": 12, "second": 20}
